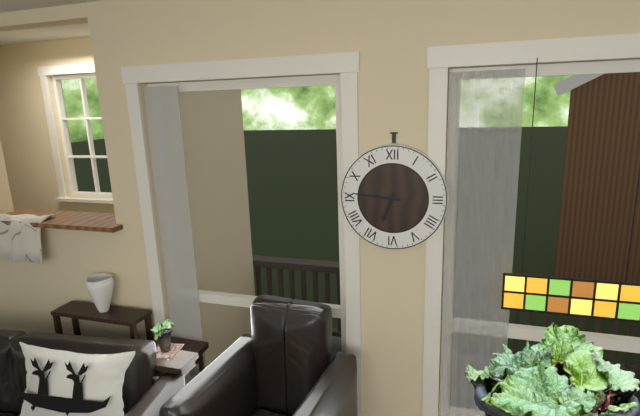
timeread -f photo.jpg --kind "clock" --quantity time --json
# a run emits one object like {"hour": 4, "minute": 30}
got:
{"hour": 6, "minute": 46}
